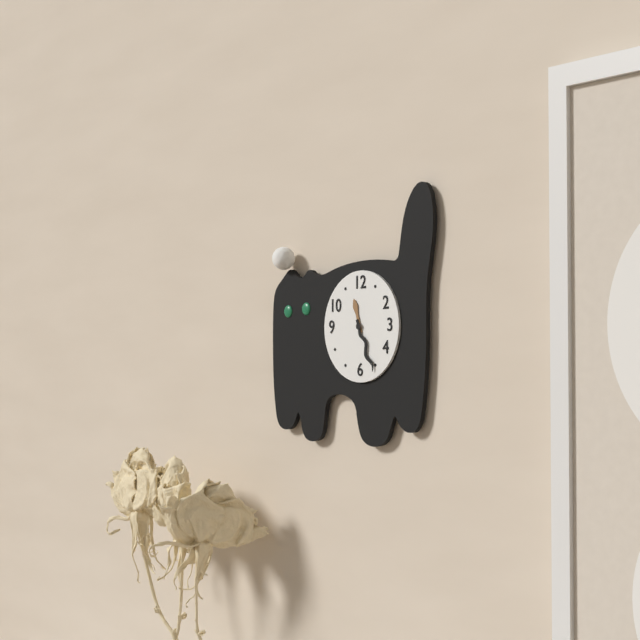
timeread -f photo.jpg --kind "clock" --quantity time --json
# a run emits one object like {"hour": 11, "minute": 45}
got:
{"hour": 11, "minute": 26}
